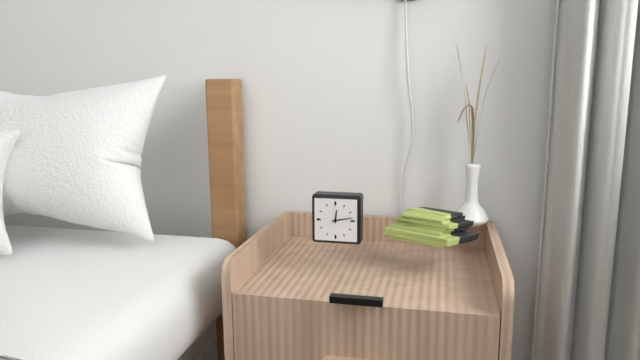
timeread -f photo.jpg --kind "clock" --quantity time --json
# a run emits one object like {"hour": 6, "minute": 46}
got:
{"hour": 12, "minute": 13}
